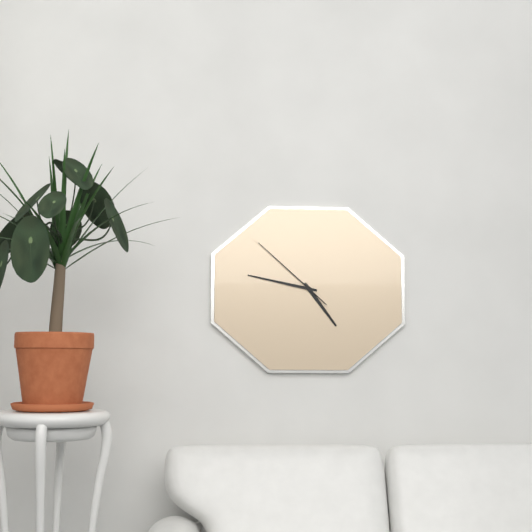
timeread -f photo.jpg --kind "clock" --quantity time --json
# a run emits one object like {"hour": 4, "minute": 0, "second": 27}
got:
{"hour": 4, "minute": 47, "second": 52}
